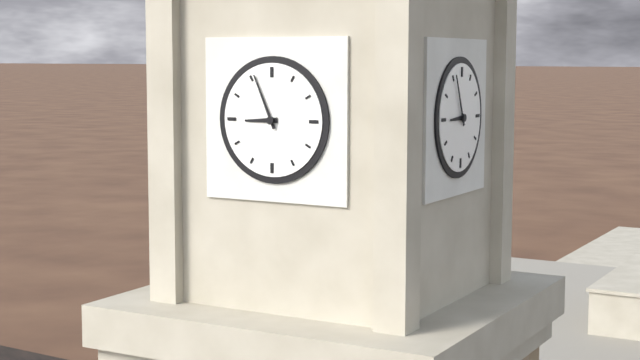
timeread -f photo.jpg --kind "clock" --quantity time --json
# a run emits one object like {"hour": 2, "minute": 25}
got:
{"hour": 8, "minute": 56}
